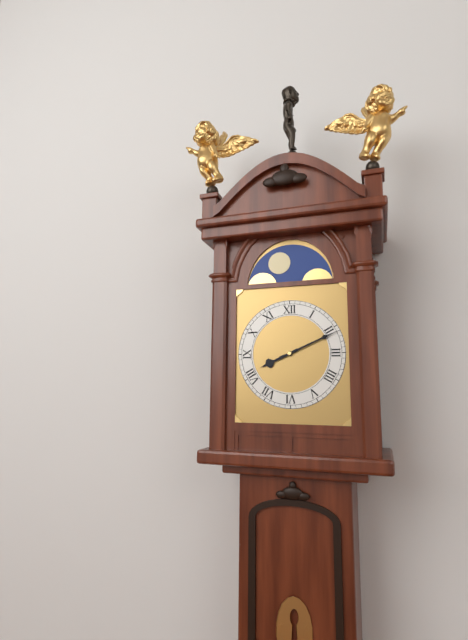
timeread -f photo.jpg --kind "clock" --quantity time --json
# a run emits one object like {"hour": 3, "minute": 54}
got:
{"hour": 8, "minute": 11}
